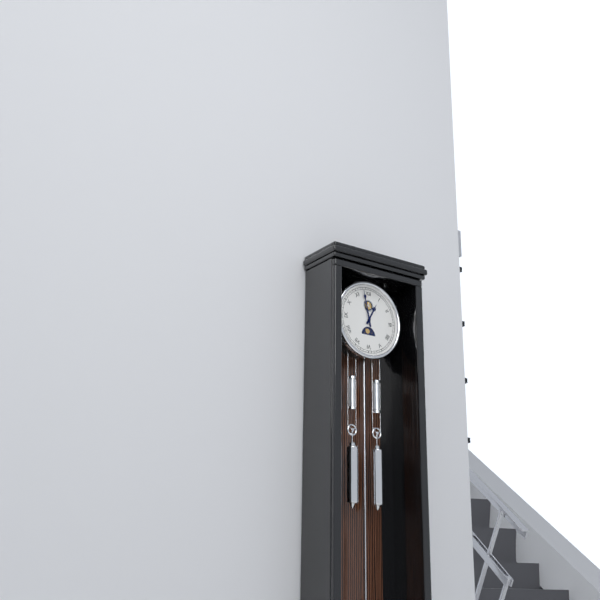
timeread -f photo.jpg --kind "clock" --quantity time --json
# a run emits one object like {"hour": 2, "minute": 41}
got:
{"hour": 12, "minute": 58}
